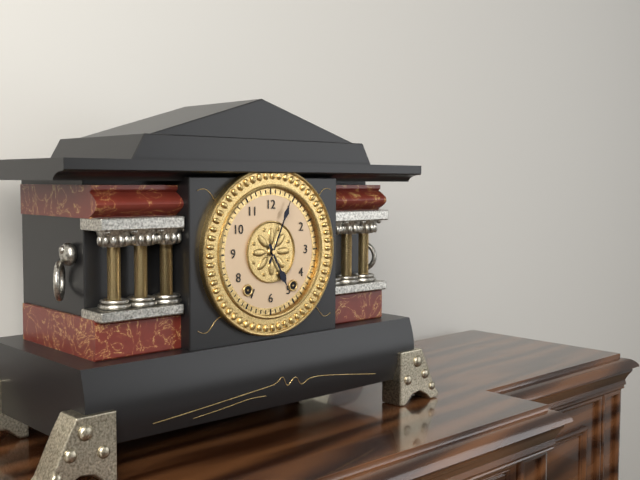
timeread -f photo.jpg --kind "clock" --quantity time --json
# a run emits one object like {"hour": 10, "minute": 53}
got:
{"hour": 5, "minute": 4}
